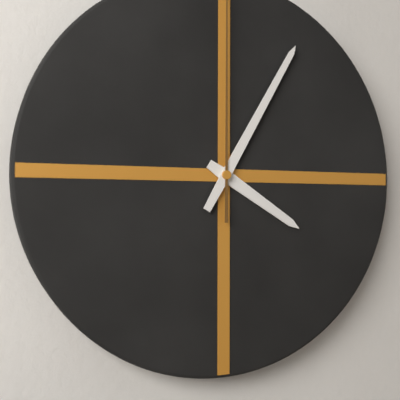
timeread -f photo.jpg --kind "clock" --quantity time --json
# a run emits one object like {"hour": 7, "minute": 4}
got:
{"hour": 4, "minute": 5}
